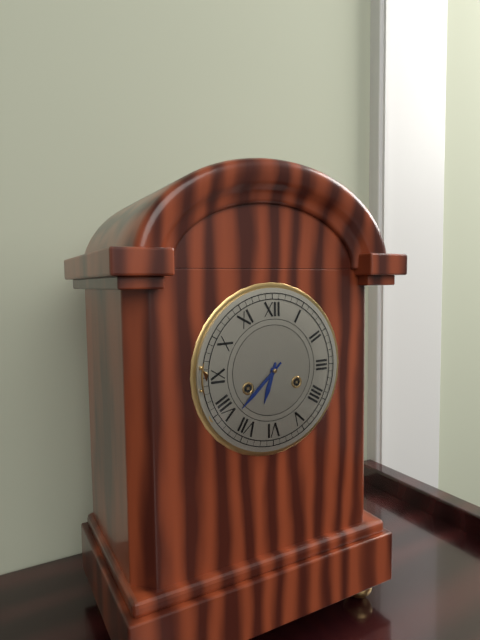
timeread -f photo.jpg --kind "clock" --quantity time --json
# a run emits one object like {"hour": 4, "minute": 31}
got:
{"hour": 6, "minute": 38}
